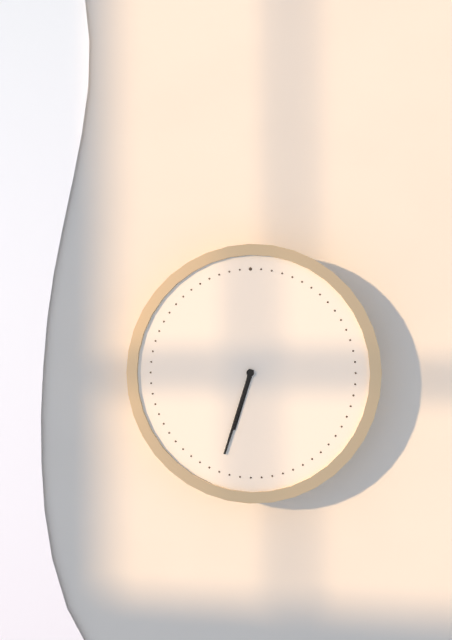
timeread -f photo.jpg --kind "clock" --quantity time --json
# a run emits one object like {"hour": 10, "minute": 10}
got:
{"hour": 6, "minute": 33}
